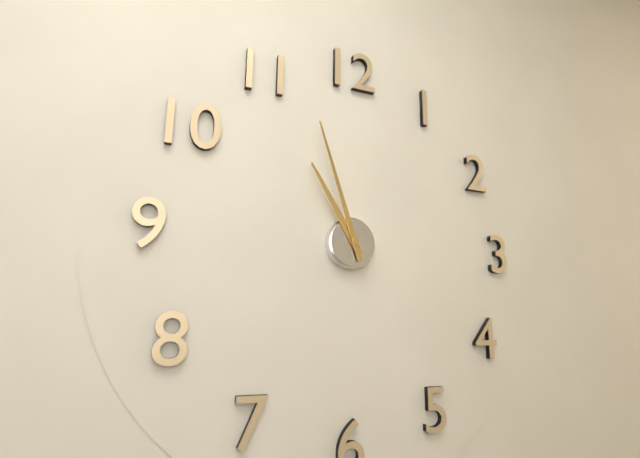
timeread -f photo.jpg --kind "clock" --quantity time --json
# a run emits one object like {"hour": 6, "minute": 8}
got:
{"hour": 10, "minute": 57}
